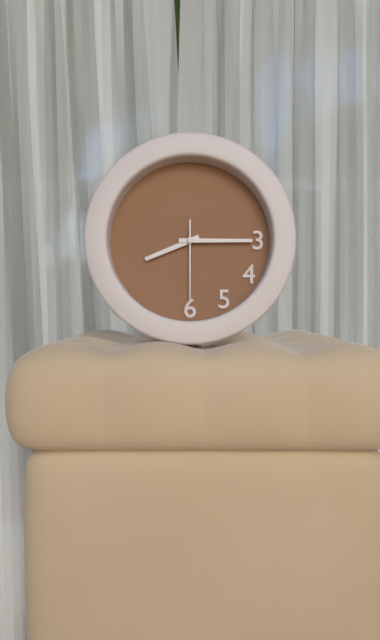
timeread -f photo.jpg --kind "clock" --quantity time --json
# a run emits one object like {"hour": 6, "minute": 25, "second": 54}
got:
{"hour": 8, "minute": 15, "second": 30}
